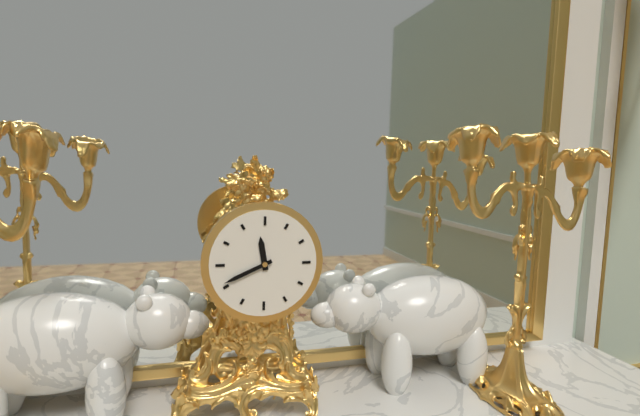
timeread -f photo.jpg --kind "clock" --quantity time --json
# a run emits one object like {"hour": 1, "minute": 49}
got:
{"hour": 11, "minute": 41}
